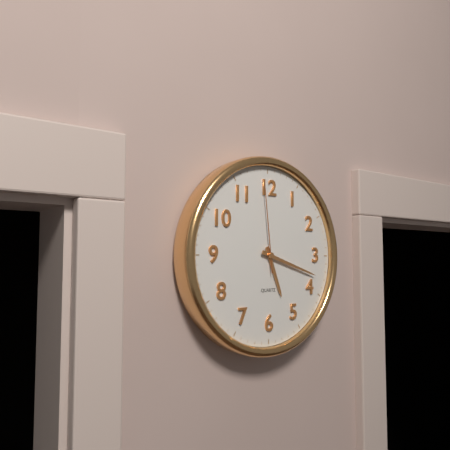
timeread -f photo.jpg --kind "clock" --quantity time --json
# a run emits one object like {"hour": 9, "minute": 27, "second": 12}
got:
{"hour": 5, "minute": 18, "second": 59}
